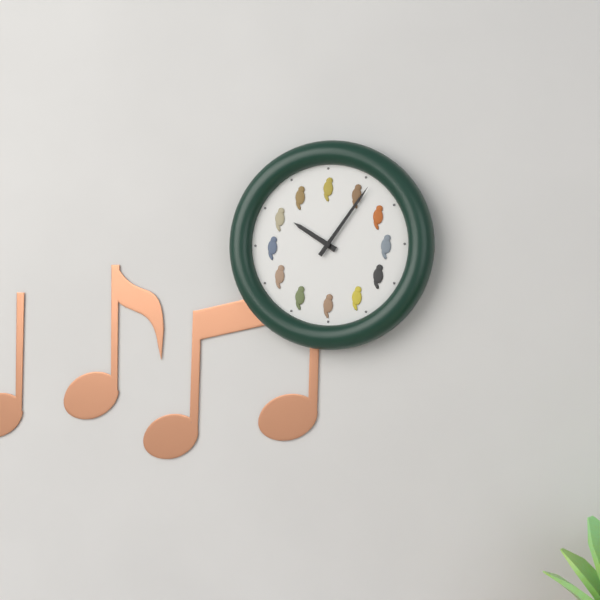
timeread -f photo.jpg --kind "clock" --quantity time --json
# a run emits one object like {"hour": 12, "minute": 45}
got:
{"hour": 10, "minute": 6}
